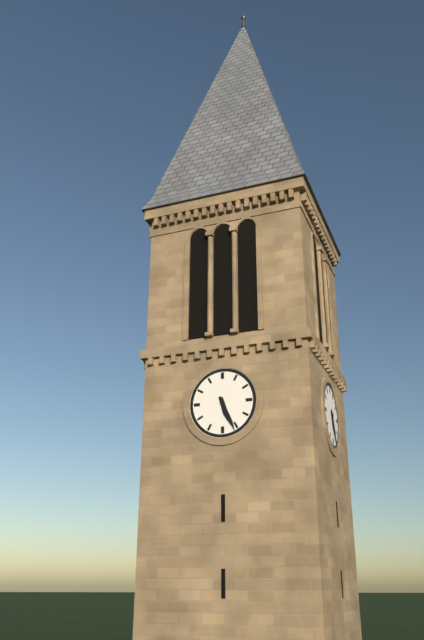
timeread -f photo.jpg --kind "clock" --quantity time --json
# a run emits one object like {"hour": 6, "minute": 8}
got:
{"hour": 5, "minute": 26}
